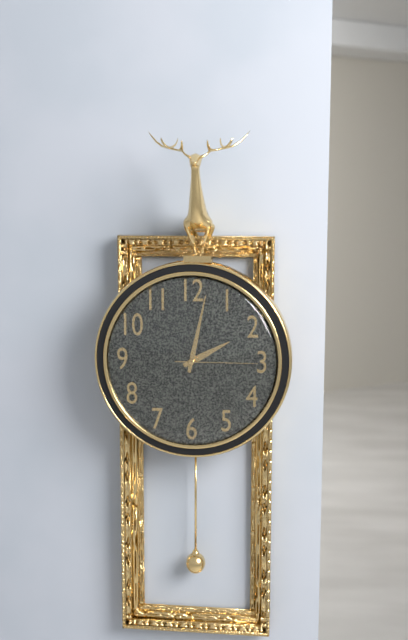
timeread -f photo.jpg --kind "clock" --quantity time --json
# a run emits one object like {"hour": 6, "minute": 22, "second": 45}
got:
{"hour": 2, "minute": 2, "second": 15}
